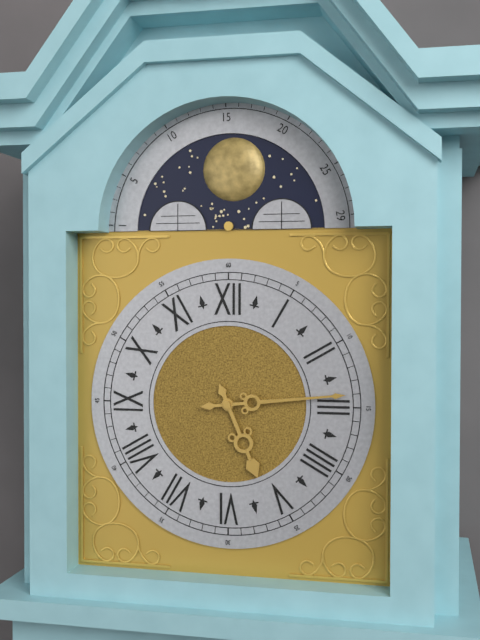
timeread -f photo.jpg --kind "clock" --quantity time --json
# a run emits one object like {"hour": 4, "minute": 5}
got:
{"hour": 5, "minute": 14}
